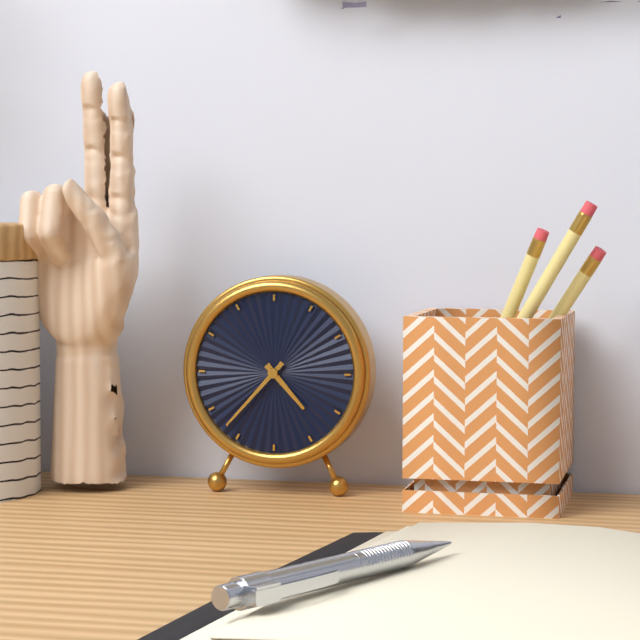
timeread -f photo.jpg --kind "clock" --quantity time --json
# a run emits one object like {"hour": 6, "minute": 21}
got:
{"hour": 4, "minute": 37}
